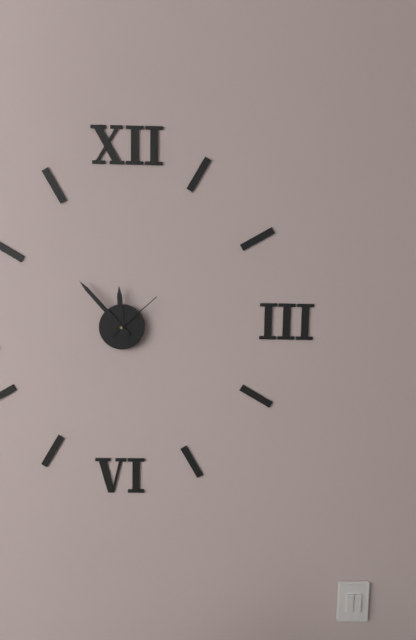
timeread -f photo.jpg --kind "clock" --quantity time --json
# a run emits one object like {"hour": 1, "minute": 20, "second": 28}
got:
{"hour": 11, "minute": 53, "second": 8}
